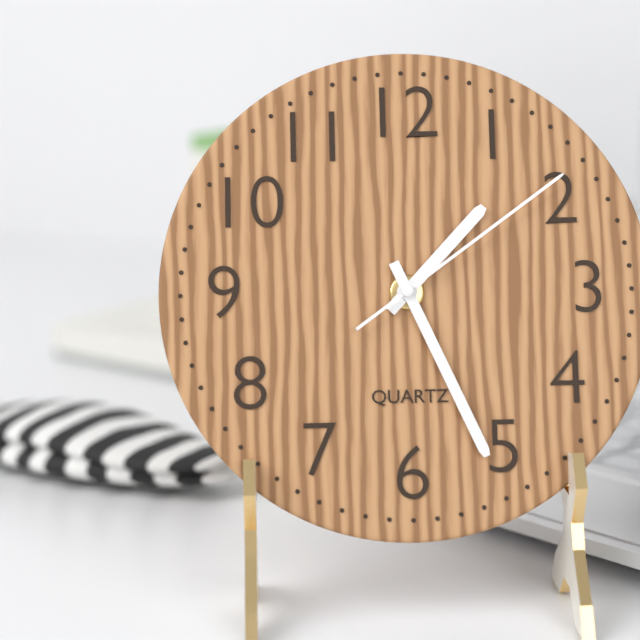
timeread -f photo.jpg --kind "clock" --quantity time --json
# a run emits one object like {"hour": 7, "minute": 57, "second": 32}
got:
{"hour": 1, "minute": 26, "second": 9}
